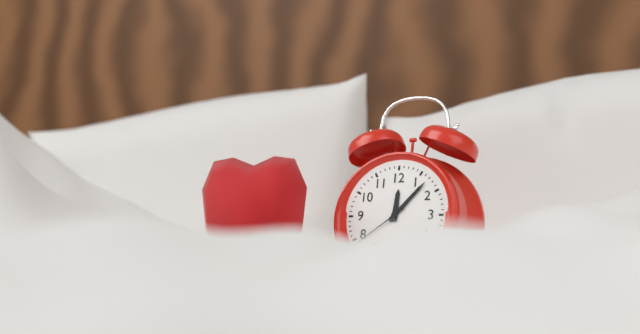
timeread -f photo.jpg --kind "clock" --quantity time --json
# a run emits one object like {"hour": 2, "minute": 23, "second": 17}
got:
{"hour": 12, "minute": 7, "second": 39}
